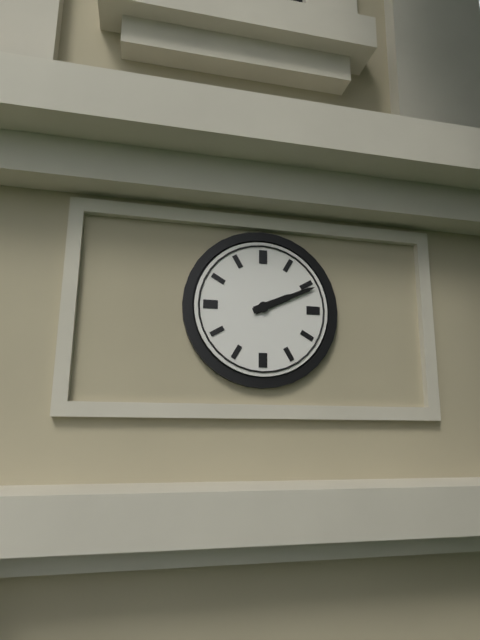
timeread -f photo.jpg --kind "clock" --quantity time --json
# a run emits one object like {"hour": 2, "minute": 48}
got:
{"hour": 2, "minute": 11}
